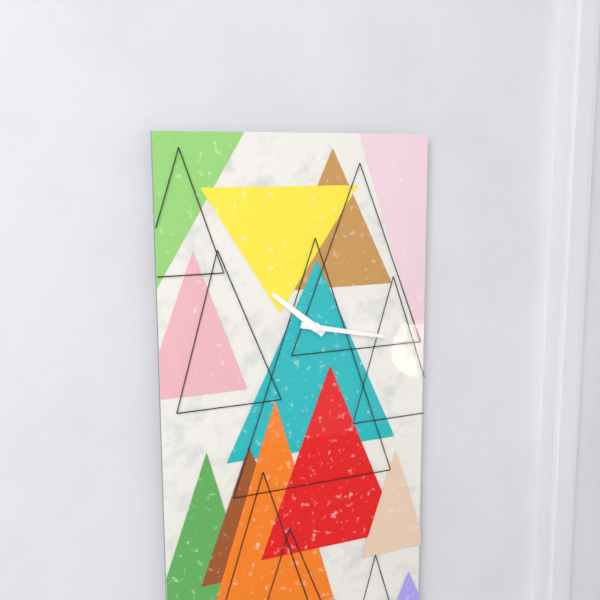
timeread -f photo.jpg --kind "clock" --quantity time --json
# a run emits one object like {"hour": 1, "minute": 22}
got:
{"hour": 10, "minute": 17}
